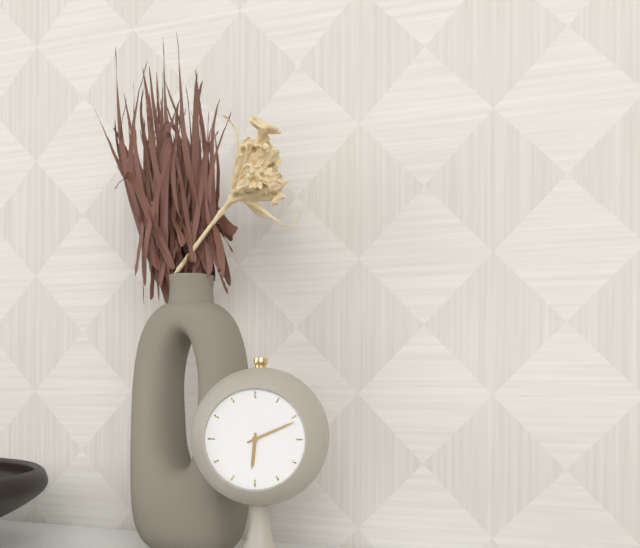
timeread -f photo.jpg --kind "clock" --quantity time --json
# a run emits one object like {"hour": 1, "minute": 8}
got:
{"hour": 6, "minute": 11}
